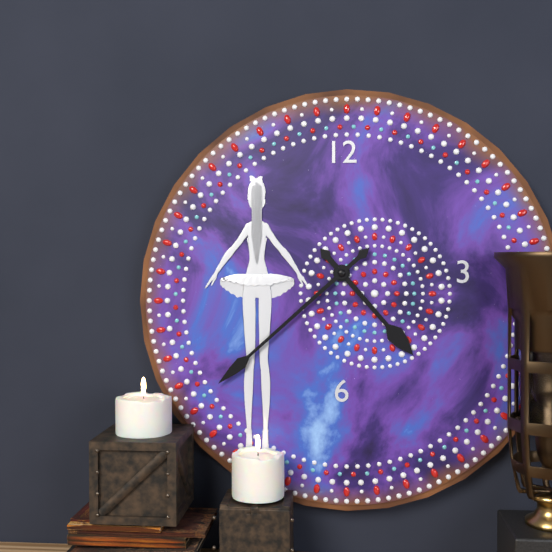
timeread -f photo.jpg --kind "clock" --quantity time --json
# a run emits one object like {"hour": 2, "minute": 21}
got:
{"hour": 4, "minute": 38}
